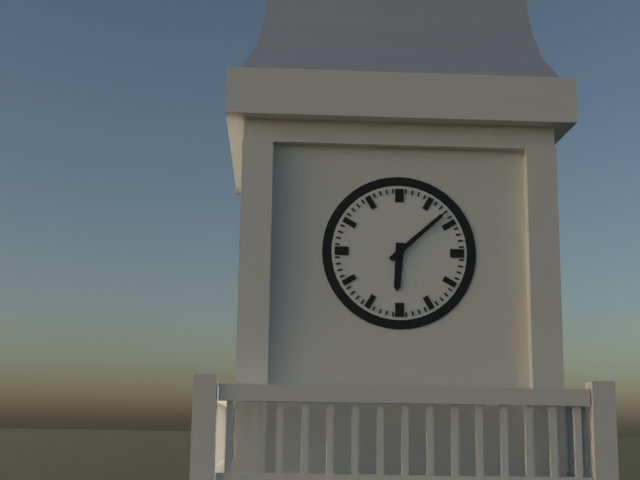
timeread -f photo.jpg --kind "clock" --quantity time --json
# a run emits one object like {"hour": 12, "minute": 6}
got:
{"hour": 6, "minute": 8}
